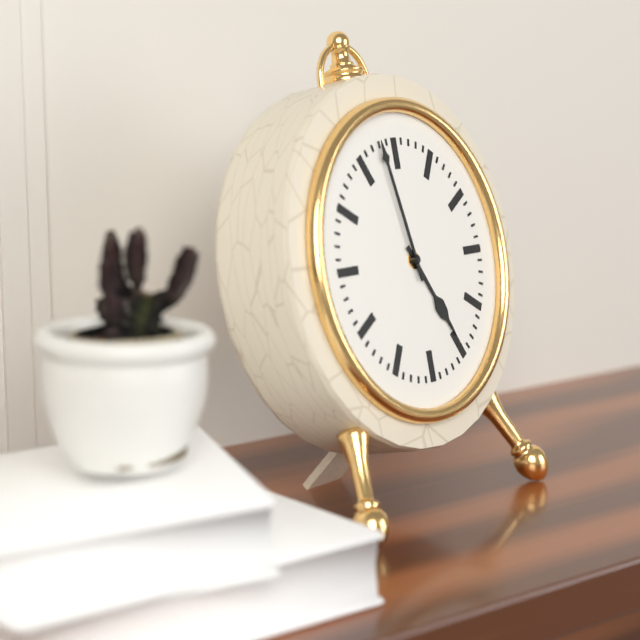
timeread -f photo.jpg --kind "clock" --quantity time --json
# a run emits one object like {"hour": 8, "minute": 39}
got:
{"hour": 4, "minute": 58}
